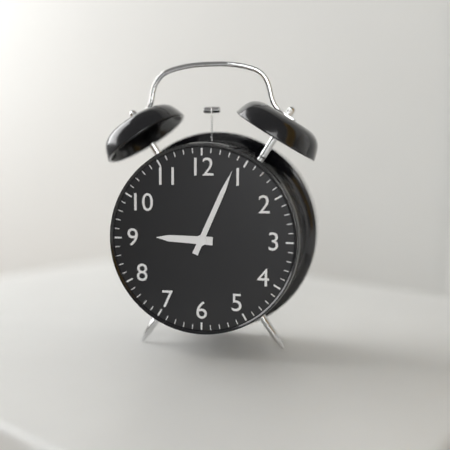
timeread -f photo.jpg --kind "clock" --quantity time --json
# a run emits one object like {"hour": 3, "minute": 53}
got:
{"hour": 9, "minute": 4}
